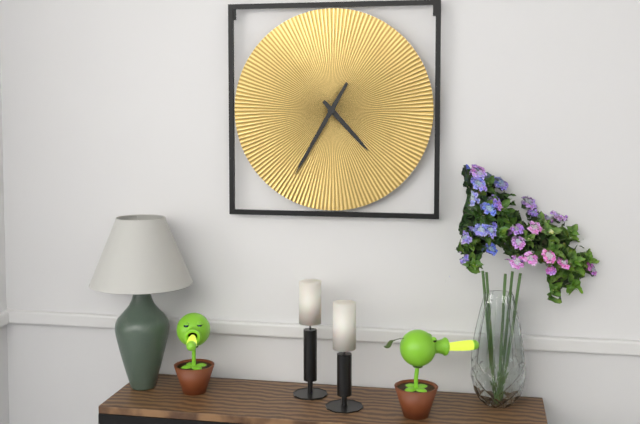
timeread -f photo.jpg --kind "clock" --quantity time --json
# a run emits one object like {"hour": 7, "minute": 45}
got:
{"hour": 4, "minute": 35}
